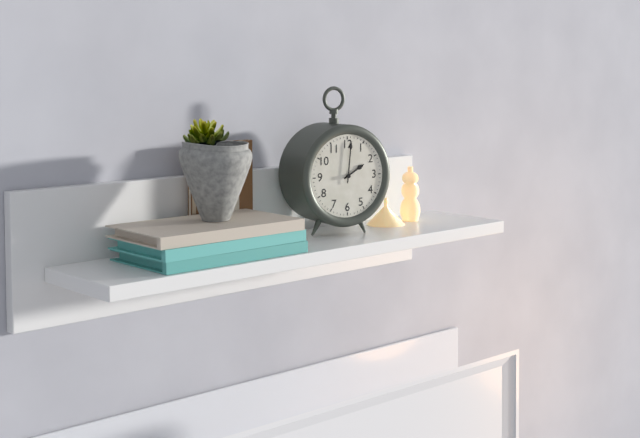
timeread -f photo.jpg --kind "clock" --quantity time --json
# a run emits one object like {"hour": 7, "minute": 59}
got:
{"hour": 2, "minute": 1}
